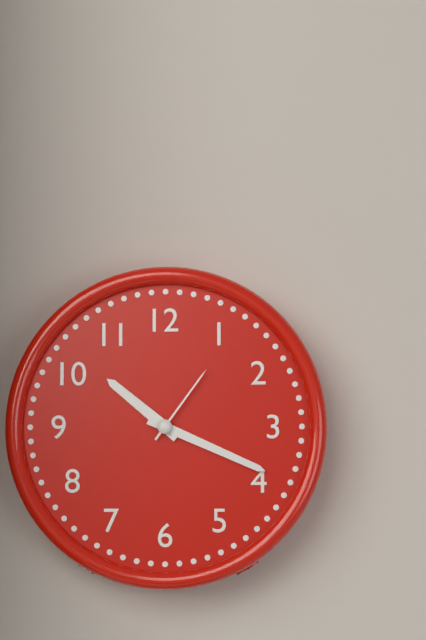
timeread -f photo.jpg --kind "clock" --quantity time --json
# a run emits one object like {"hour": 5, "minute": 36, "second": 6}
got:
{"hour": 10, "minute": 19, "second": 6}
